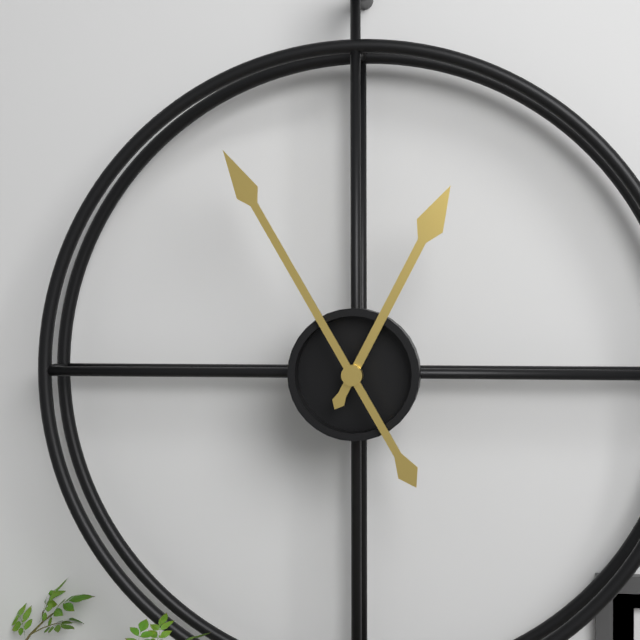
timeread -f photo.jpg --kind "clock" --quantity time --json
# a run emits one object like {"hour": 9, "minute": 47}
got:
{"hour": 12, "minute": 55}
